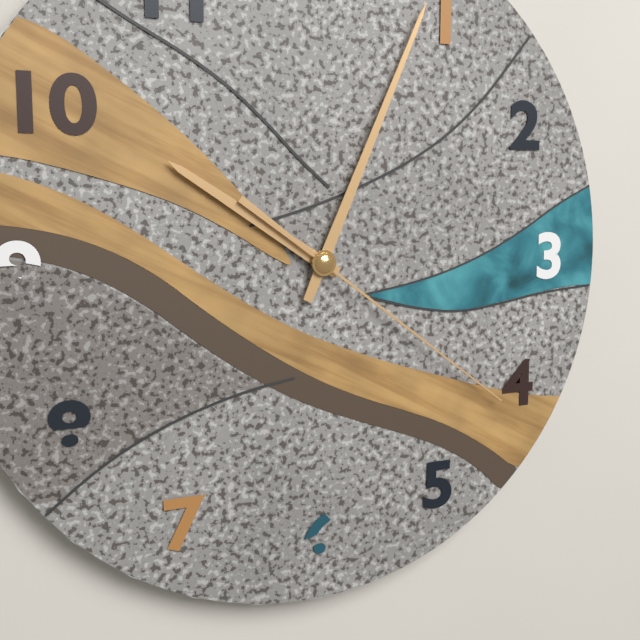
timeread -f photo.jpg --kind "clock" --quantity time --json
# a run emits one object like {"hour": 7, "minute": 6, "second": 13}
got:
{"hour": 10, "minute": 4, "second": 21}
